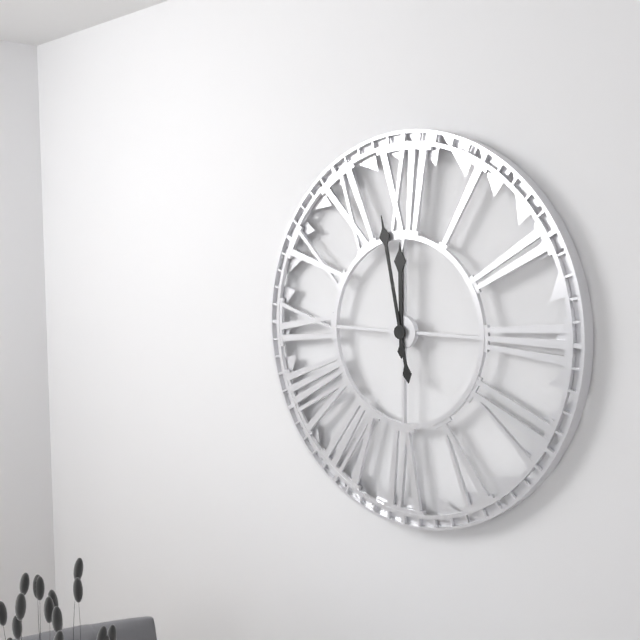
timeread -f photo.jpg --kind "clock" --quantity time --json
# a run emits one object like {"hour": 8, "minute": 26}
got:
{"hour": 11, "minute": 58}
